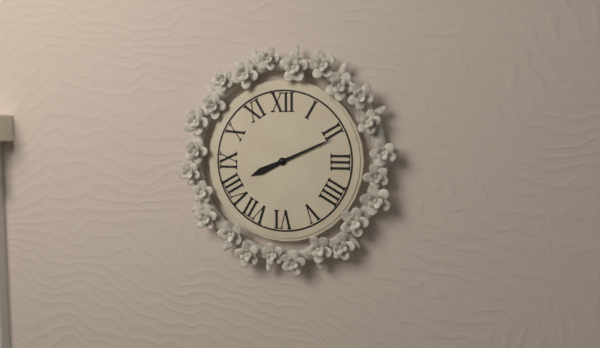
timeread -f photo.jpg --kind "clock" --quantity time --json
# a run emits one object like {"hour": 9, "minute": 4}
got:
{"hour": 8, "minute": 11}
